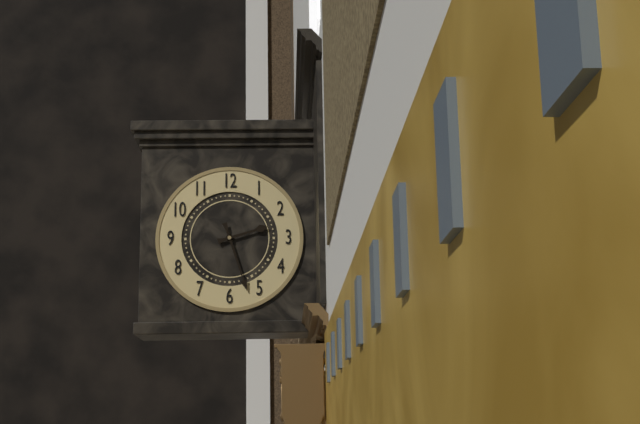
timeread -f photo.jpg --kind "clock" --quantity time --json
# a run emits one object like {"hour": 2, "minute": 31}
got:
{"hour": 2, "minute": 27}
